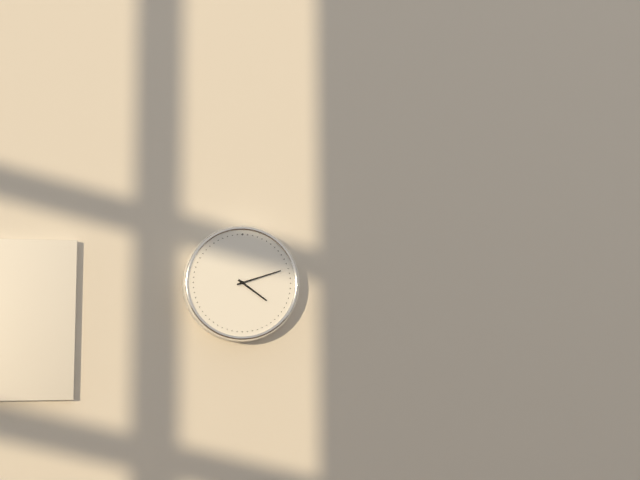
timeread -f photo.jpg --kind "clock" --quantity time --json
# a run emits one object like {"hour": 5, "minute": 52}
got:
{"hour": 4, "minute": 12}
